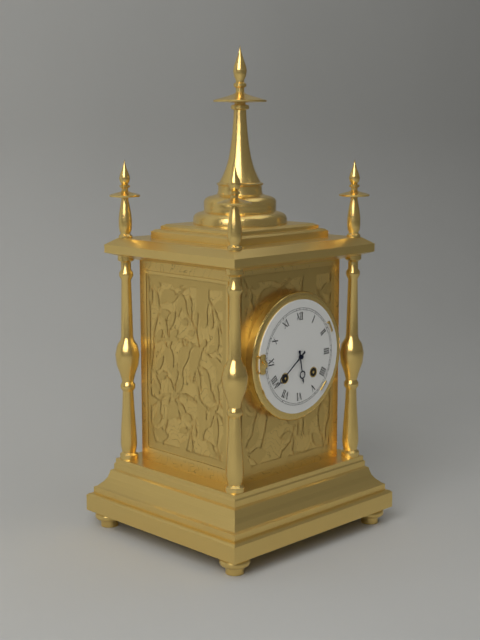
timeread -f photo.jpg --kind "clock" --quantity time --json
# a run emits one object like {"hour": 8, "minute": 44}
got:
{"hour": 5, "minute": 39}
